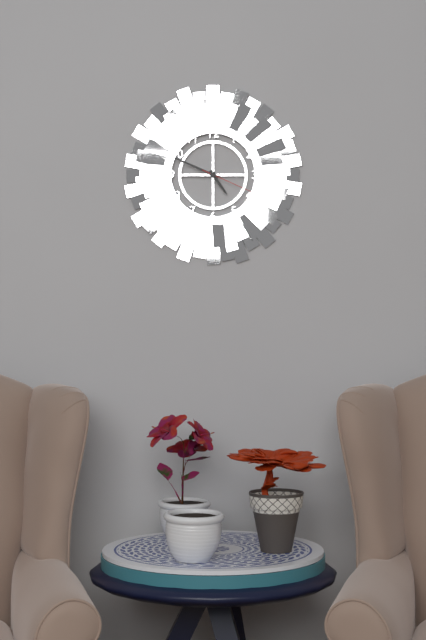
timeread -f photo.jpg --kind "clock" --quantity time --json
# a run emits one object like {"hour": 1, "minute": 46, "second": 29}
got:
{"hour": 4, "minute": 49, "second": 19}
